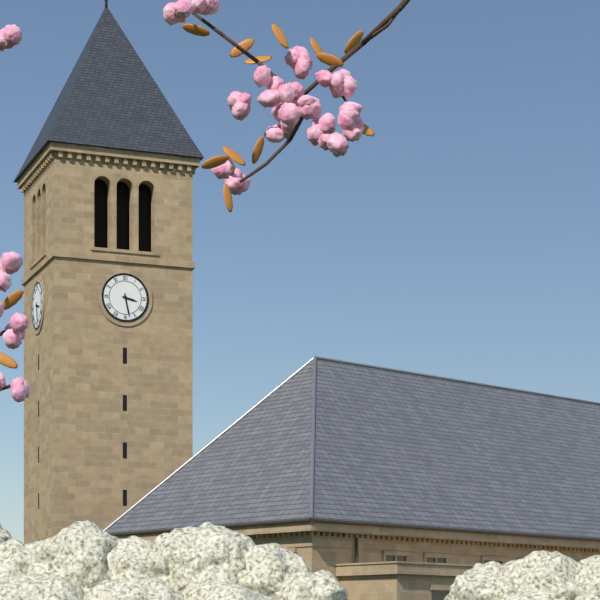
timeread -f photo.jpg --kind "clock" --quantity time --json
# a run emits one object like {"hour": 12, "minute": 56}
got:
{"hour": 3, "minute": 28}
